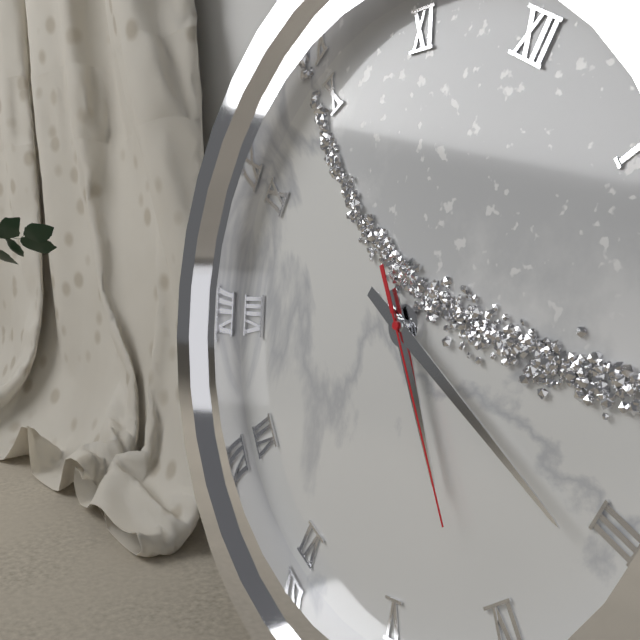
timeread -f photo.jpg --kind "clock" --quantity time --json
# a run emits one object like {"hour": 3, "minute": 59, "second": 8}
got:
{"hour": 4, "minute": 16, "second": 21}
